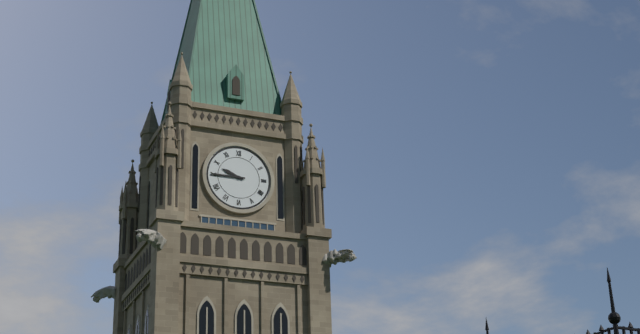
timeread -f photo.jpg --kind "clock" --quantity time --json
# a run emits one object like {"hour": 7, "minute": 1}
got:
{"hour": 9, "minute": 45}
